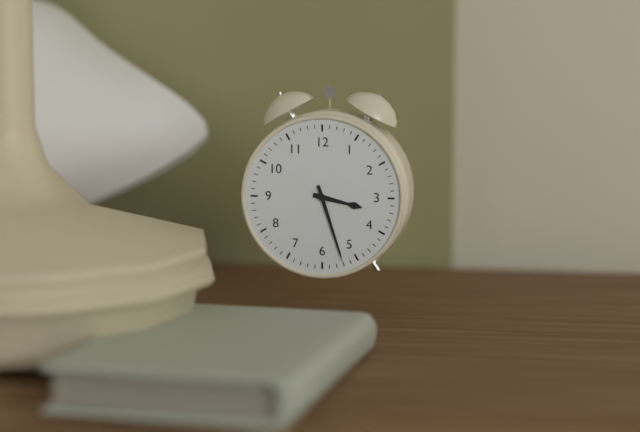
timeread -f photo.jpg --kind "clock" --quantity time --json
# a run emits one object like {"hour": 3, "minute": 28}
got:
{"hour": 3, "minute": 27}
